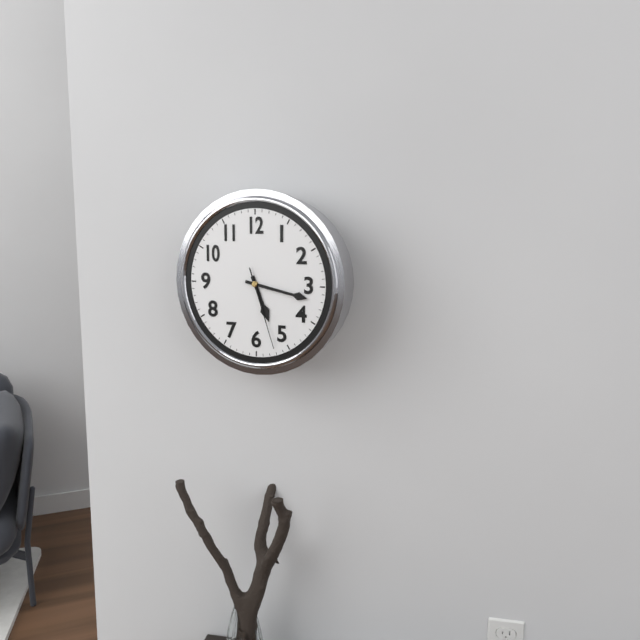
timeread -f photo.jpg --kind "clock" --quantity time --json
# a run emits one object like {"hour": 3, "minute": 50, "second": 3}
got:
{"hour": 5, "minute": 17, "second": 27}
